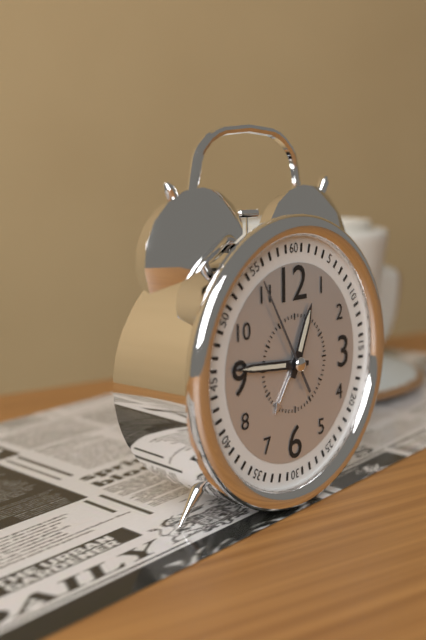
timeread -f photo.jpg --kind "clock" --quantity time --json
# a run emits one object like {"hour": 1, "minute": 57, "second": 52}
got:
{"hour": 12, "minute": 46, "second": 55}
